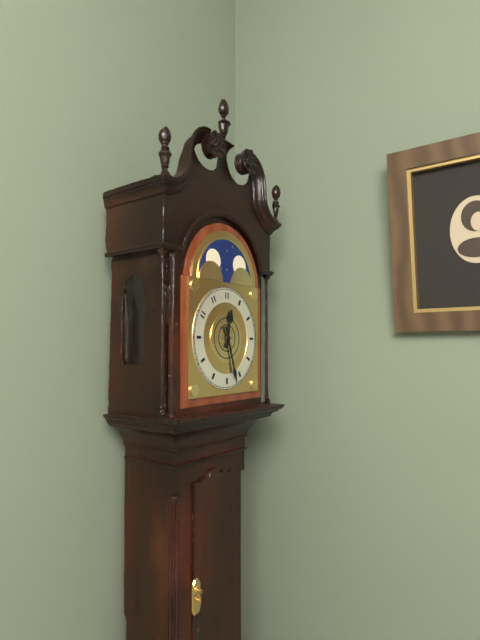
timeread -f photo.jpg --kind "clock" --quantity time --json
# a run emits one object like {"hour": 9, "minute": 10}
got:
{"hour": 12, "minute": 27}
